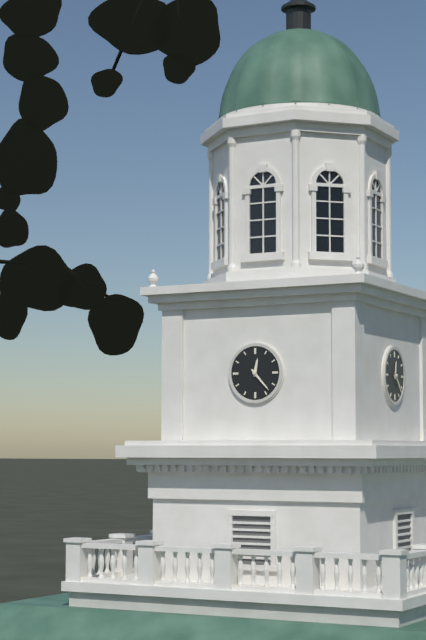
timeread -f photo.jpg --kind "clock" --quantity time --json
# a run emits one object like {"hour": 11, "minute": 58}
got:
{"hour": 12, "minute": 23}
